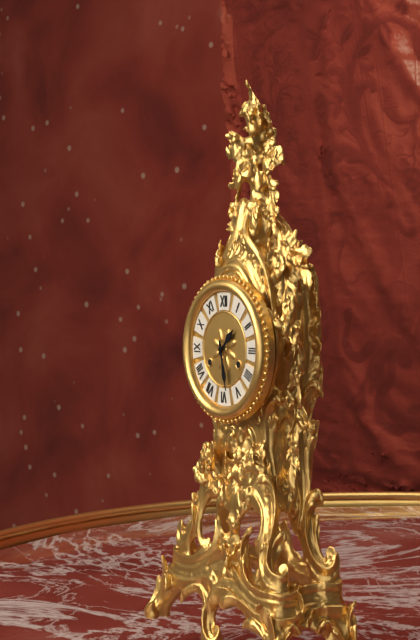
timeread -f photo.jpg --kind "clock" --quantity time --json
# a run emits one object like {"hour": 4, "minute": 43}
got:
{"hour": 1, "minute": 28}
